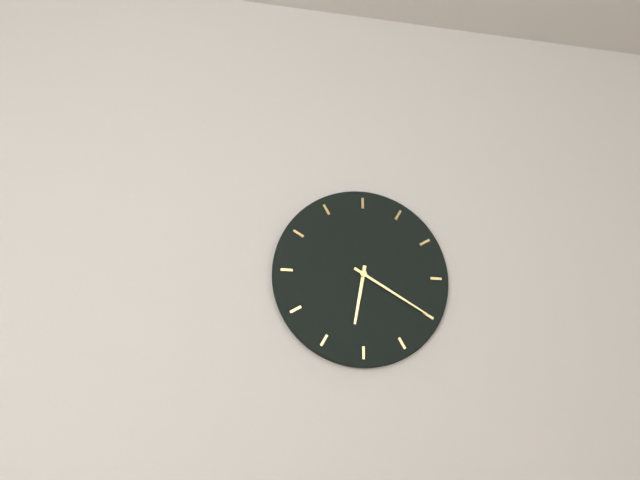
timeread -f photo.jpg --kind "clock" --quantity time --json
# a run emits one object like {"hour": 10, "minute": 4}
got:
{"hour": 6, "minute": 20}
